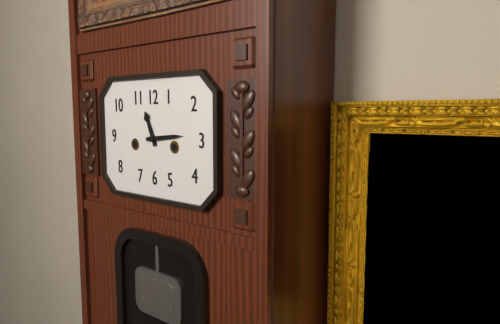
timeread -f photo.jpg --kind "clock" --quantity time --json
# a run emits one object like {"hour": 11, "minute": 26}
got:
{"hour": 11, "minute": 14}
